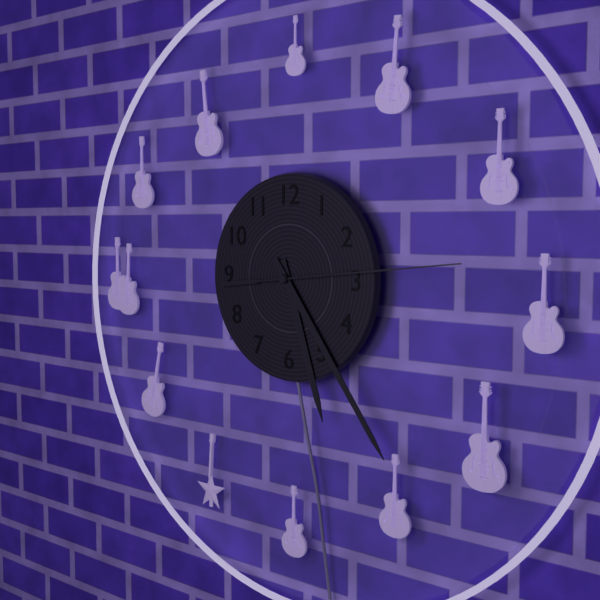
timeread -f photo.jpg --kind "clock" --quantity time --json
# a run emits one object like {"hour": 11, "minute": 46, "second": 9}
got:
{"hour": 5, "minute": 24, "second": 14}
